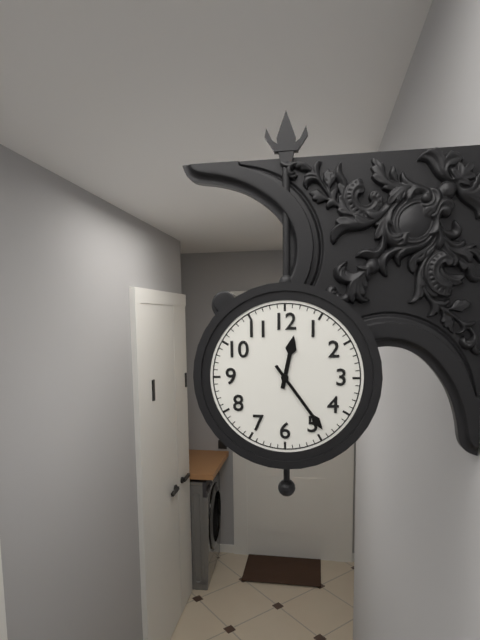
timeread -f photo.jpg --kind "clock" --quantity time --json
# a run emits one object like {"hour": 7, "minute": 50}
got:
{"hour": 12, "minute": 24}
